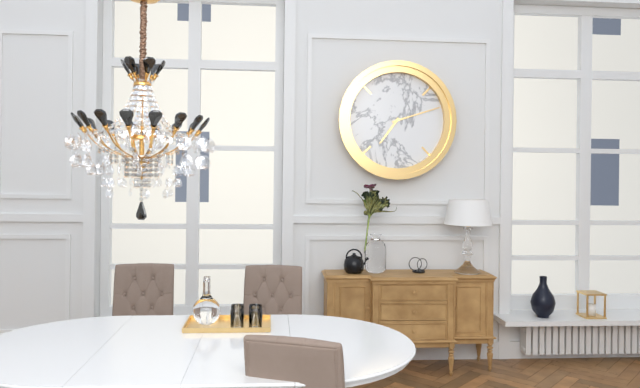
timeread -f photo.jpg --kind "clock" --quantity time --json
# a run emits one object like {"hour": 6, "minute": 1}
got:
{"hour": 7, "minute": 12}
